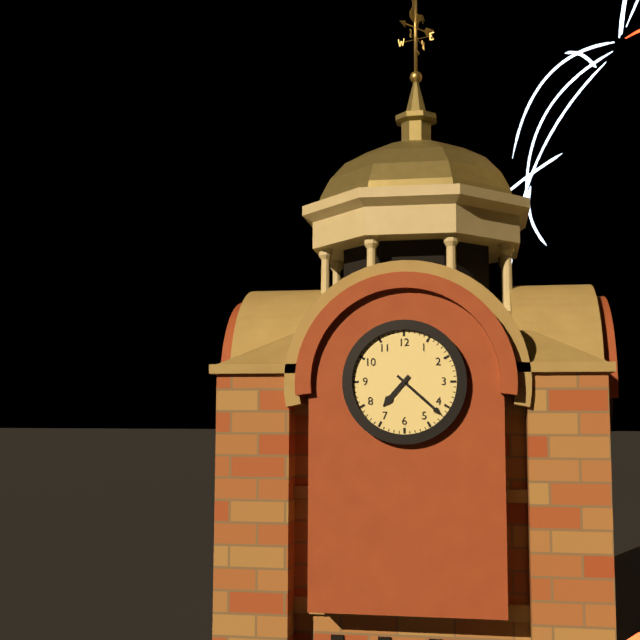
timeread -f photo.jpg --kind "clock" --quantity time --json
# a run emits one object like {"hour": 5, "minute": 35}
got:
{"hour": 7, "minute": 22}
